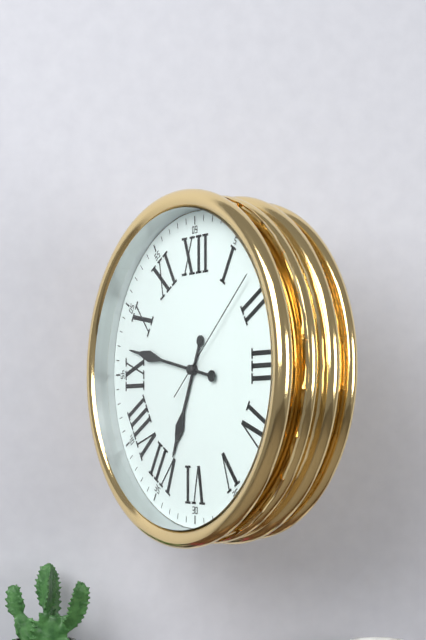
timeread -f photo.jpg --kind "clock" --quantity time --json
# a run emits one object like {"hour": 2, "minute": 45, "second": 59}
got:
{"hour": 6, "minute": 47, "second": 8}
